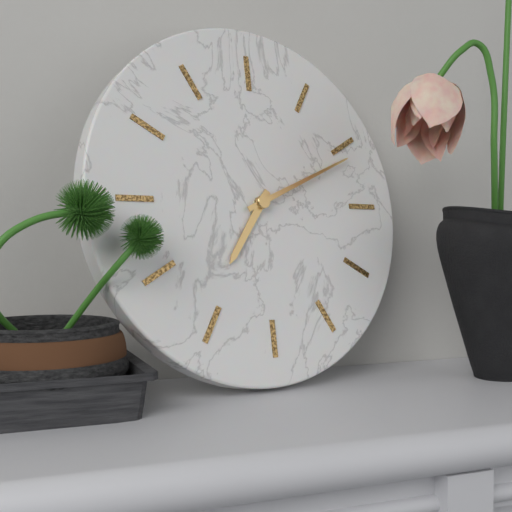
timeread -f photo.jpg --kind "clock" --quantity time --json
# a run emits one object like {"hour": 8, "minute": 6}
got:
{"hour": 7, "minute": 11}
